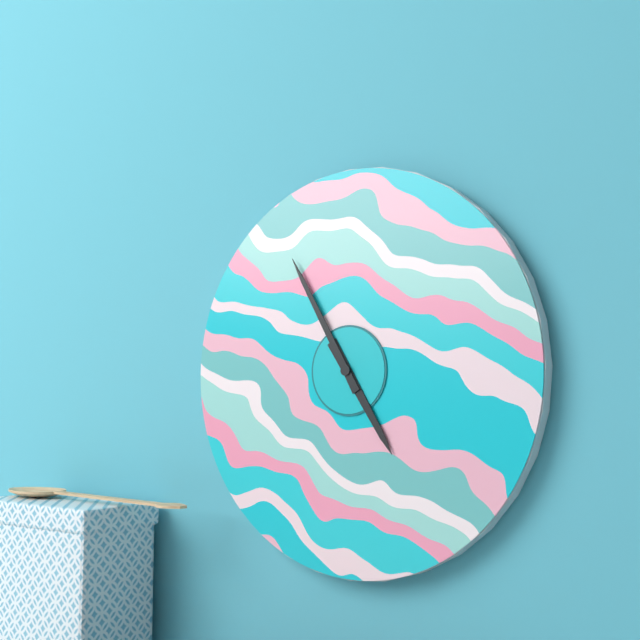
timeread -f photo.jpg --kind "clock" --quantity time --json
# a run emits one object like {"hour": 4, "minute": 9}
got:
{"hour": 4, "minute": 55}
